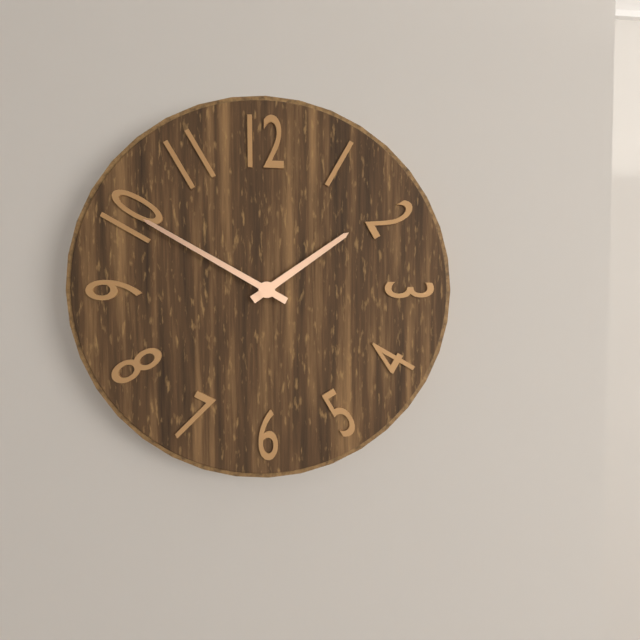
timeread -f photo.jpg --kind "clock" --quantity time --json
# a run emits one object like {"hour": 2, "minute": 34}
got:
{"hour": 1, "minute": 50}
